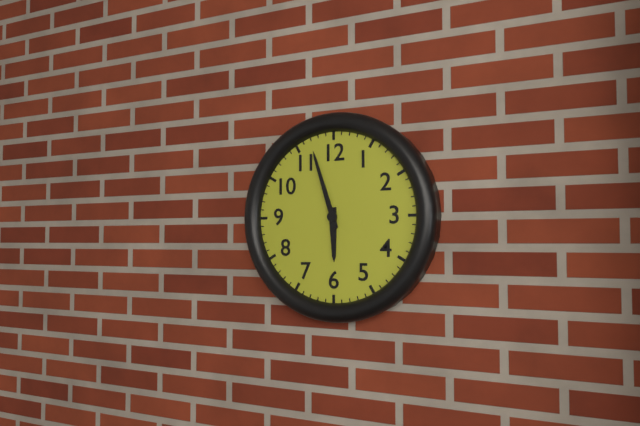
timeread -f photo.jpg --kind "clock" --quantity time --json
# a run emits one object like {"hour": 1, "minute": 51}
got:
{"hour": 5, "minute": 57}
